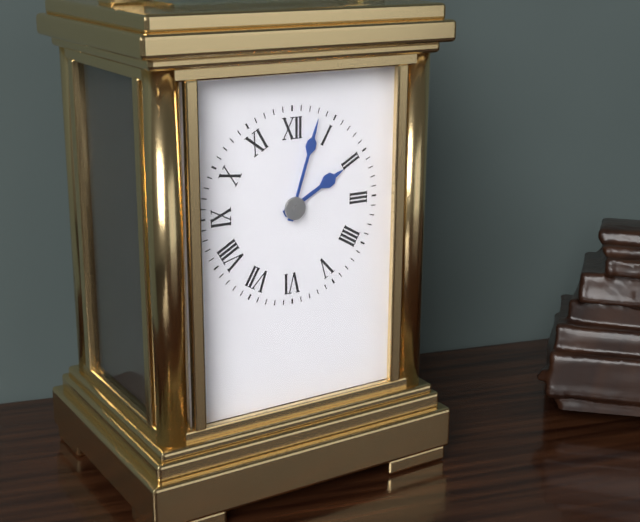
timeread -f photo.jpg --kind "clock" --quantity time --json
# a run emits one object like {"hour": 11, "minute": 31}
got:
{"hour": 2, "minute": 3}
